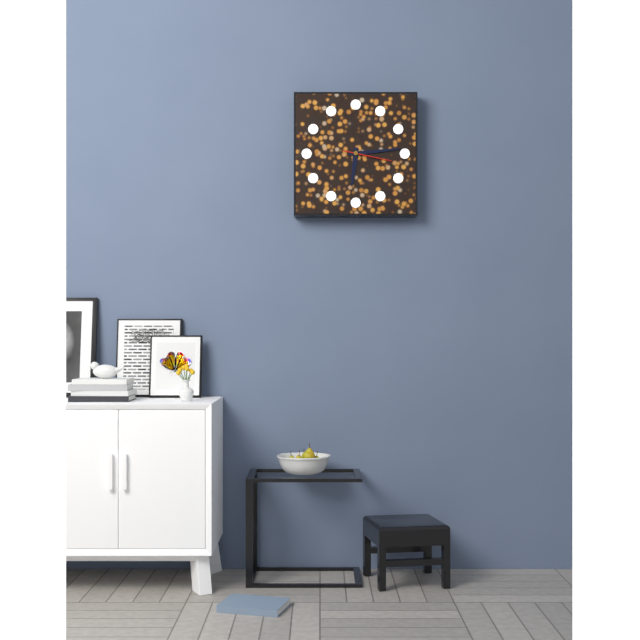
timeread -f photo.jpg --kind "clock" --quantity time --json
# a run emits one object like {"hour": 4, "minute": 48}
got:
{"hour": 6, "minute": 14}
